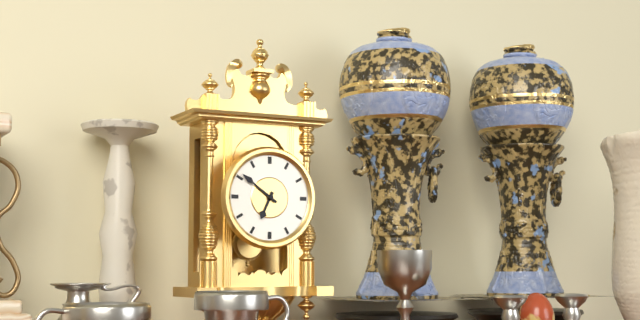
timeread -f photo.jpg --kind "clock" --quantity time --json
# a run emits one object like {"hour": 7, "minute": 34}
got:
{"hour": 6, "minute": 51}
